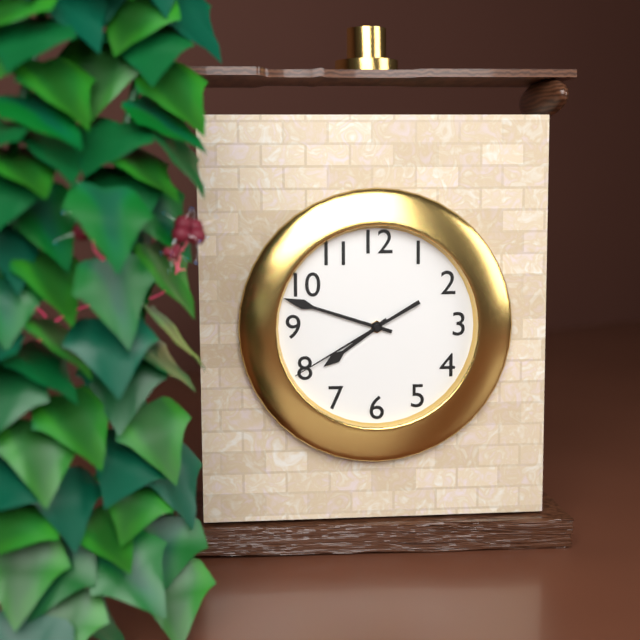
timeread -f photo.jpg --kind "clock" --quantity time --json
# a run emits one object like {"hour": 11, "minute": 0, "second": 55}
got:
{"hour": 7, "minute": 48, "second": 40}
